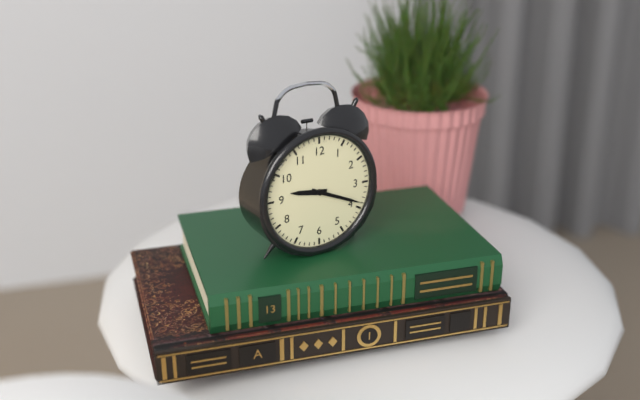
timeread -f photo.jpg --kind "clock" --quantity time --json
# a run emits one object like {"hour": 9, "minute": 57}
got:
{"hour": 9, "minute": 19}
